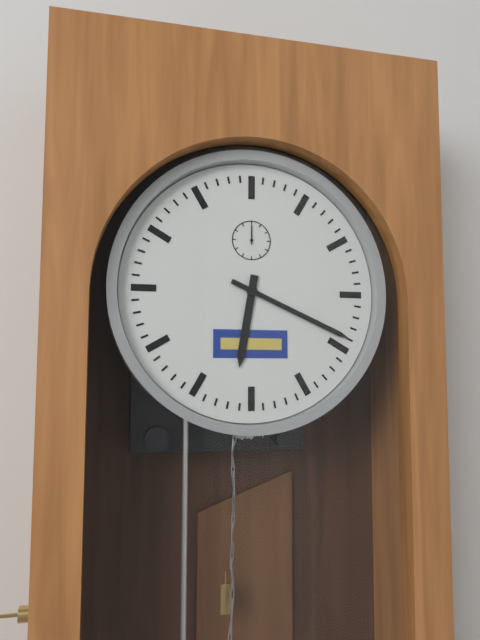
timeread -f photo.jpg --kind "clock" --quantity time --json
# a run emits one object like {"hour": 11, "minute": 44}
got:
{"hour": 6, "minute": 19}
